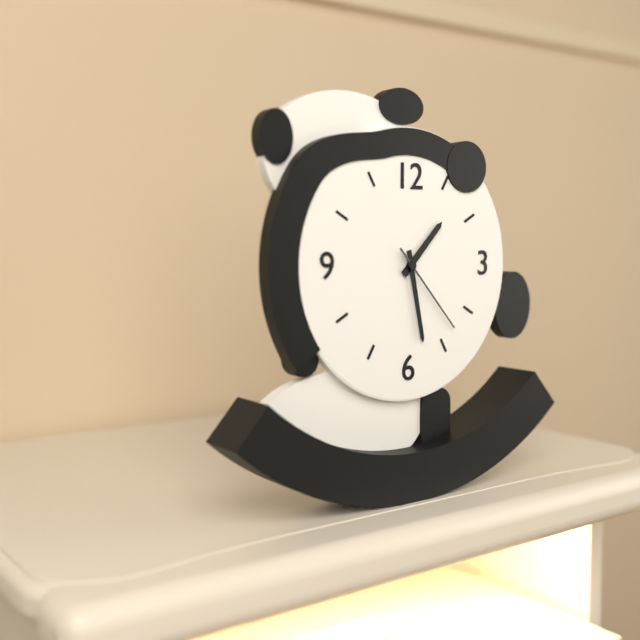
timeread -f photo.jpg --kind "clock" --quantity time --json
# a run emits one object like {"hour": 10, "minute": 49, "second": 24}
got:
{"hour": 1, "minute": 28, "second": 23}
